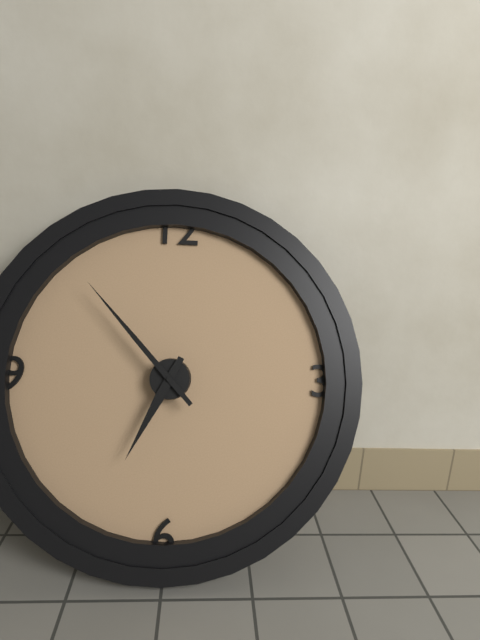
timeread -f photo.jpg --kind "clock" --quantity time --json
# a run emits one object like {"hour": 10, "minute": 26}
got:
{"hour": 6, "minute": 53}
